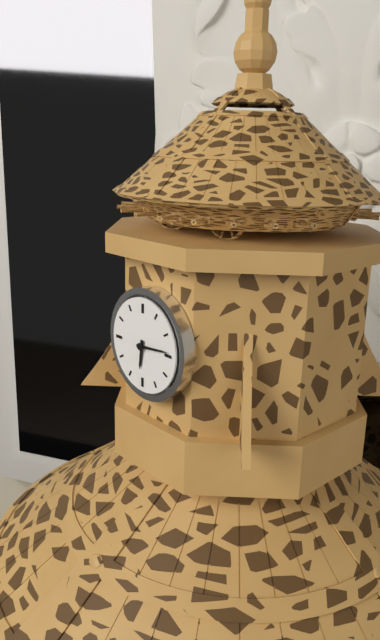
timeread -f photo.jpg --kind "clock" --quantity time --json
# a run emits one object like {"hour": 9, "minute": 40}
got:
{"hour": 6, "minute": 14}
